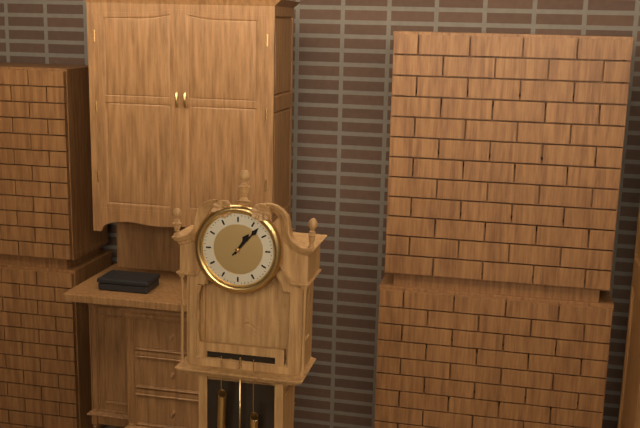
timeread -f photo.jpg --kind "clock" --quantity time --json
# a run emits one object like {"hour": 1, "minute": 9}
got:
{"hour": 1, "minute": 7}
